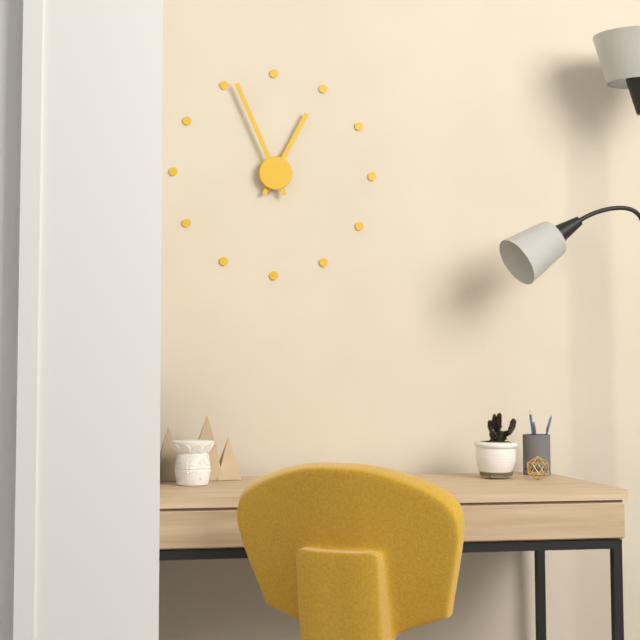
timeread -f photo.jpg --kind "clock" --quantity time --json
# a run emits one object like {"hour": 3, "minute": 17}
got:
{"hour": 12, "minute": 56}
